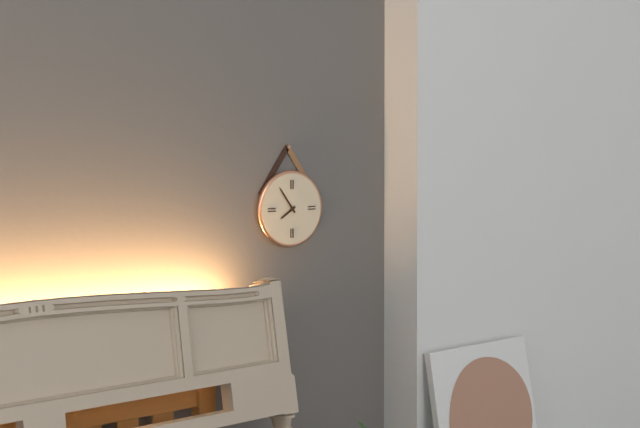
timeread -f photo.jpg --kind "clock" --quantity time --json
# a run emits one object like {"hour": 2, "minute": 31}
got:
{"hour": 7, "minute": 54}
